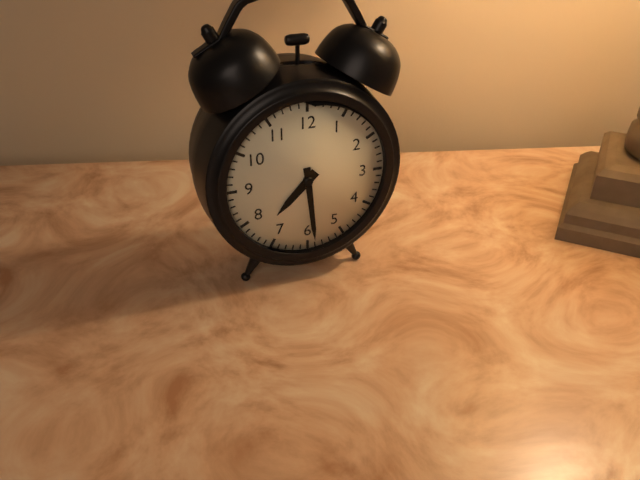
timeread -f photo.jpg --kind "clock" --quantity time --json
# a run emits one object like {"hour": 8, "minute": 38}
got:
{"hour": 7, "minute": 29}
